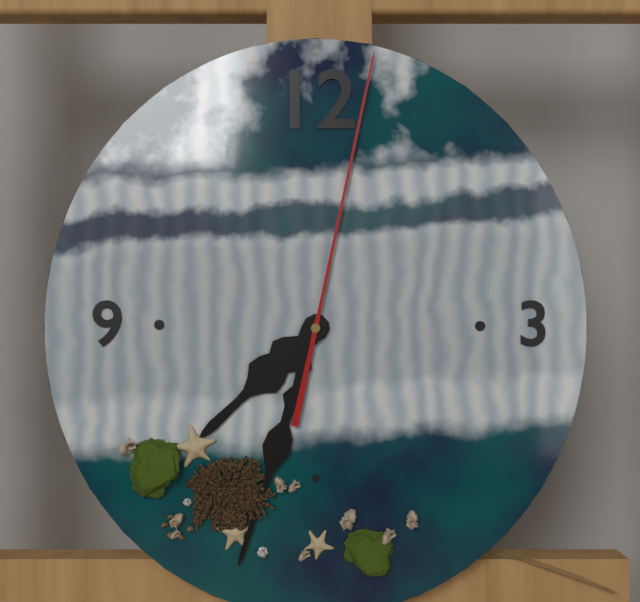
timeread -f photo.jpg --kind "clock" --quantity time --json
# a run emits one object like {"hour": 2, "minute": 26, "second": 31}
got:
{"hour": 7, "minute": 33, "second": 2}
